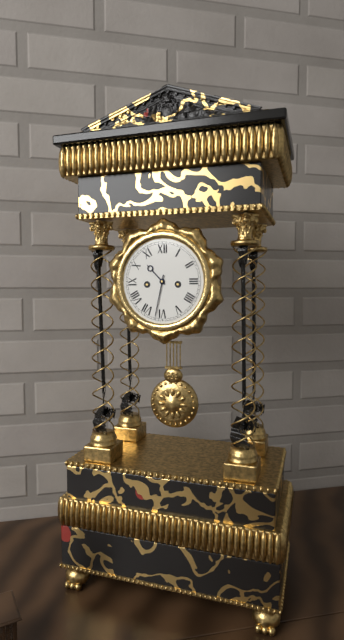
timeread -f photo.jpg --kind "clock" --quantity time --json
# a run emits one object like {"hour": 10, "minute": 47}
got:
{"hour": 10, "minute": 32}
